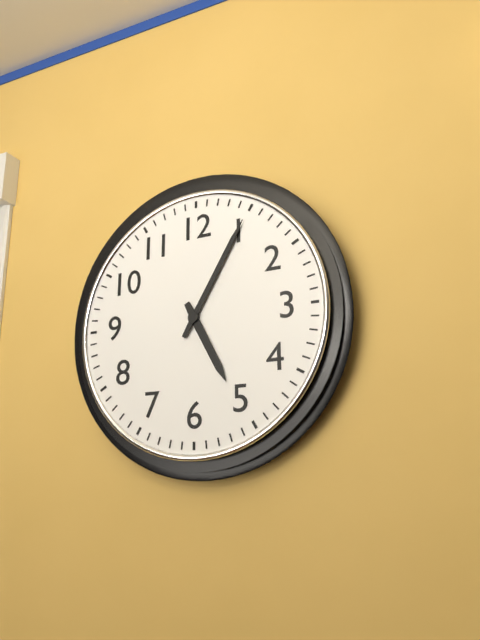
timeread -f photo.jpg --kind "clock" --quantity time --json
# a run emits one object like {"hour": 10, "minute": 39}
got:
{"hour": 5, "minute": 5}
